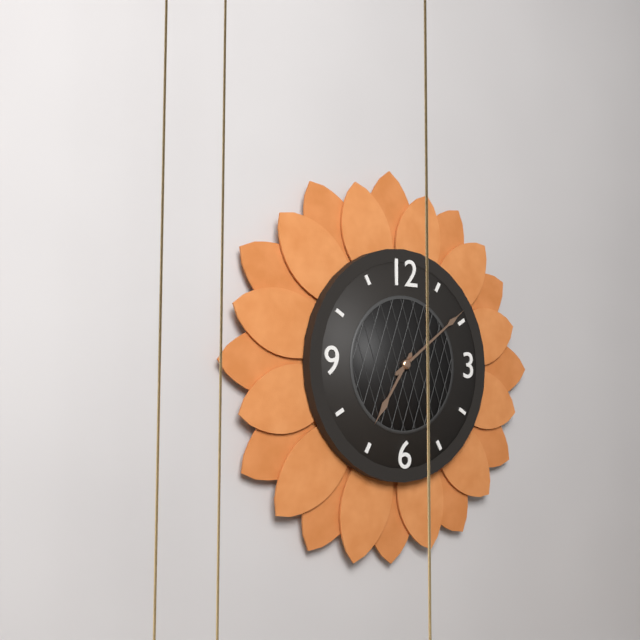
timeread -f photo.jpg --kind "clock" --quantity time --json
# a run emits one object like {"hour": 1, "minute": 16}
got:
{"hour": 7, "minute": 9}
